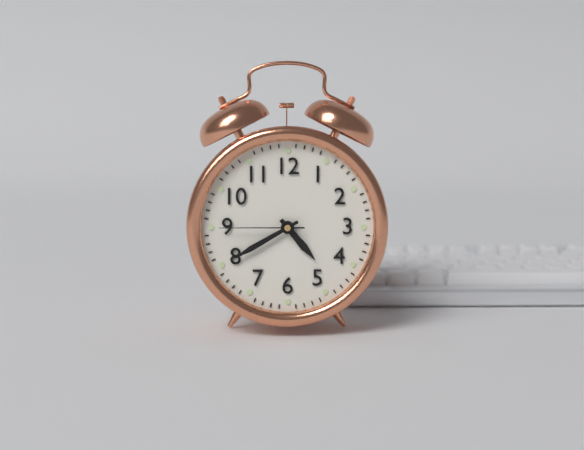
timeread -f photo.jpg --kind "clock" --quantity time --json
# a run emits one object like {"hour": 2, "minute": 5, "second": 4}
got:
{"hour": 4, "minute": 40, "second": 45}
